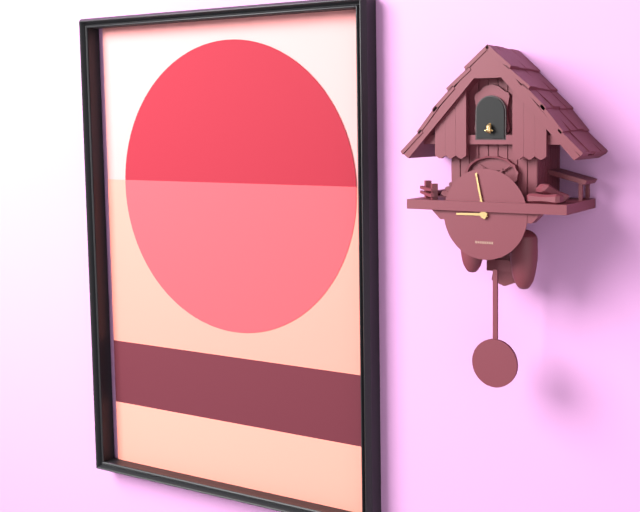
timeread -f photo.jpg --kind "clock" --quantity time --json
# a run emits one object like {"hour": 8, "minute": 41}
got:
{"hour": 8, "minute": 58}
